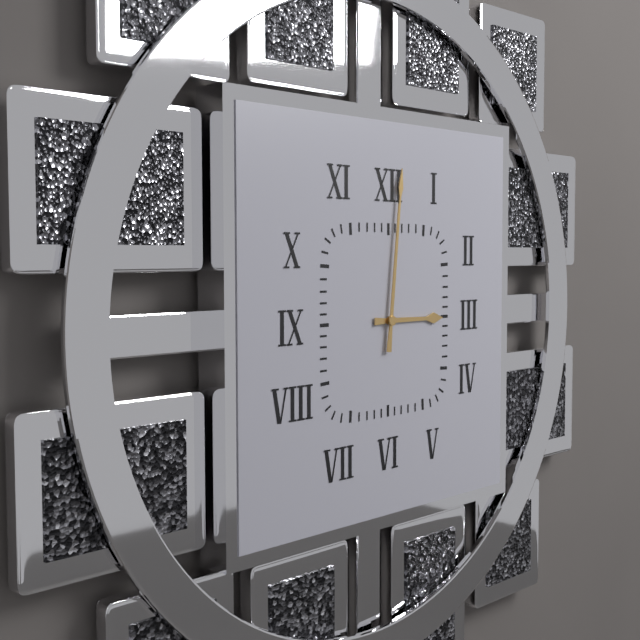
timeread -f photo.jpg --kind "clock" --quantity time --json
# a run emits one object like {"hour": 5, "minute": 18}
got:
{"hour": 3, "minute": 1}
